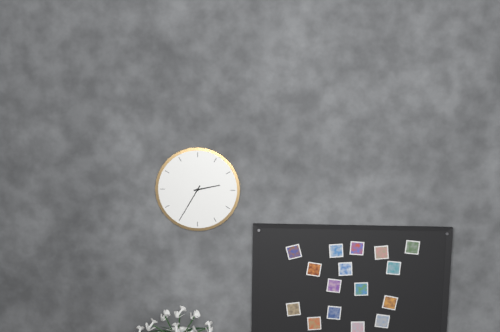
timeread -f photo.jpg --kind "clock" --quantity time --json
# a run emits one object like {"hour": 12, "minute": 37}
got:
{"hour": 2, "minute": 35}
